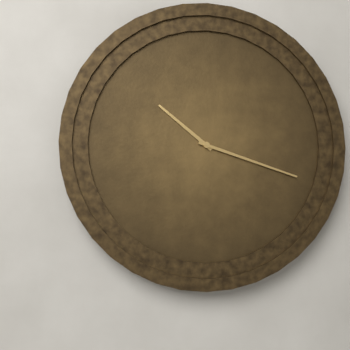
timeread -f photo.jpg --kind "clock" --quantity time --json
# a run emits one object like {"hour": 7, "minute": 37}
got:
{"hour": 10, "minute": 18}
